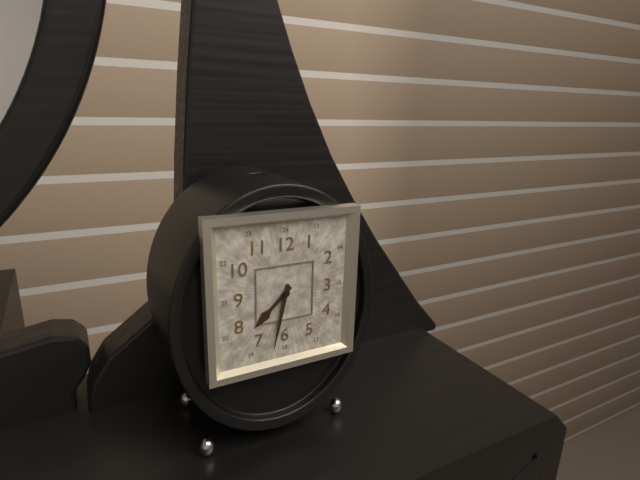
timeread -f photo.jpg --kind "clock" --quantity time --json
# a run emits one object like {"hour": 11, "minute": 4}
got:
{"hour": 7, "minute": 32}
